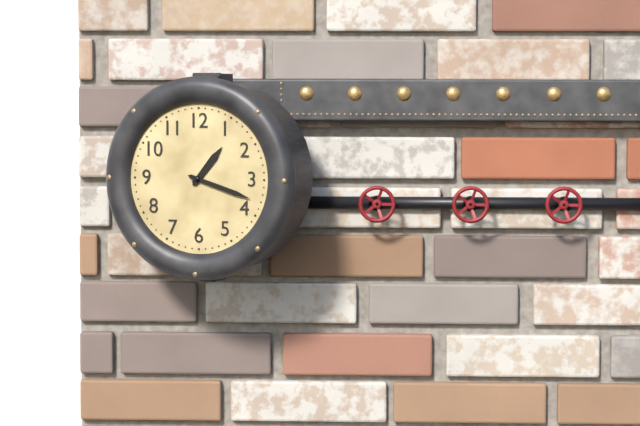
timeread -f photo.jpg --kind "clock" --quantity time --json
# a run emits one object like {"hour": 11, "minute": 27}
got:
{"hour": 1, "minute": 18}
